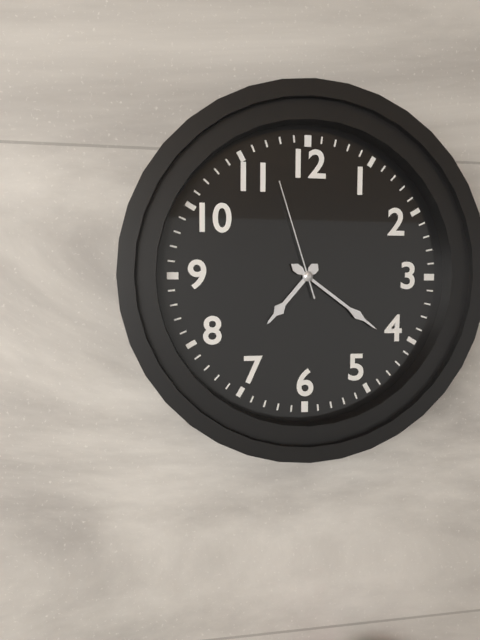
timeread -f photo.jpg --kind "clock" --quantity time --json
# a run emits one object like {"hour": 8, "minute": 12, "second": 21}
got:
{"hour": 7, "minute": 21, "second": 57}
